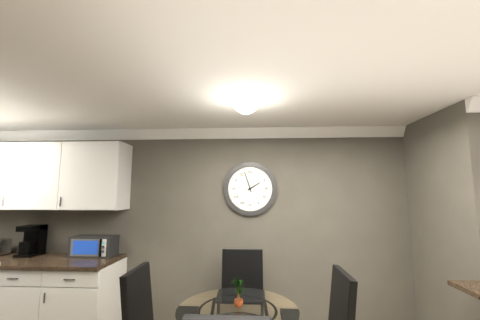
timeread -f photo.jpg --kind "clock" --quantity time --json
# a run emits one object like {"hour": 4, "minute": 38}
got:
{"hour": 1, "minute": 57}
